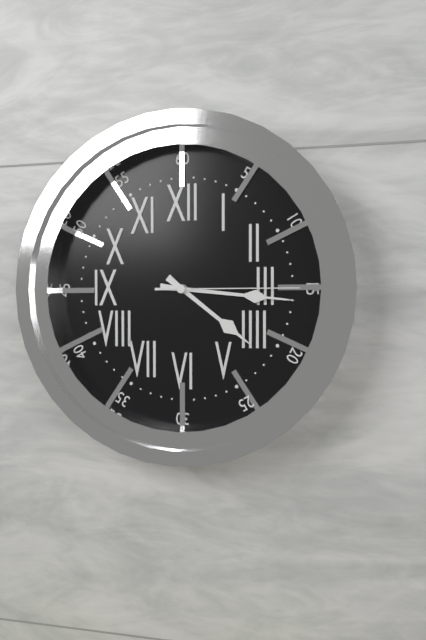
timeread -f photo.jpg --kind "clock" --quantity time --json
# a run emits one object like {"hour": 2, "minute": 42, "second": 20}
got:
{"hour": 4, "minute": 16, "second": 15}
